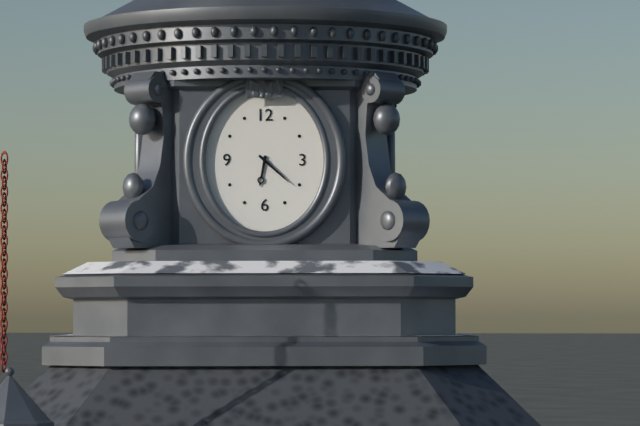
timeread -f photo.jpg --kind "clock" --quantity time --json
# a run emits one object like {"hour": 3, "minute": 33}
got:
{"hour": 6, "minute": 22}
